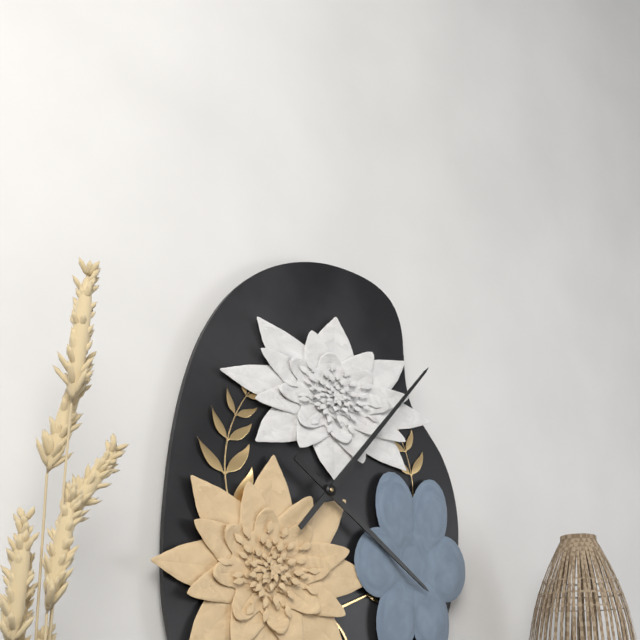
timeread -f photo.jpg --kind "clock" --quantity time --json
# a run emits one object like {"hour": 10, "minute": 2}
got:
{"hour": 4, "minute": 7}
